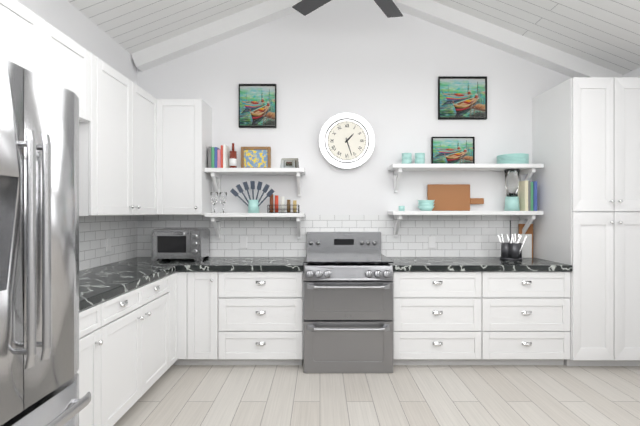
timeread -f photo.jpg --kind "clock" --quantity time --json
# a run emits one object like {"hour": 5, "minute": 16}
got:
{"hour": 1, "minute": 27}
